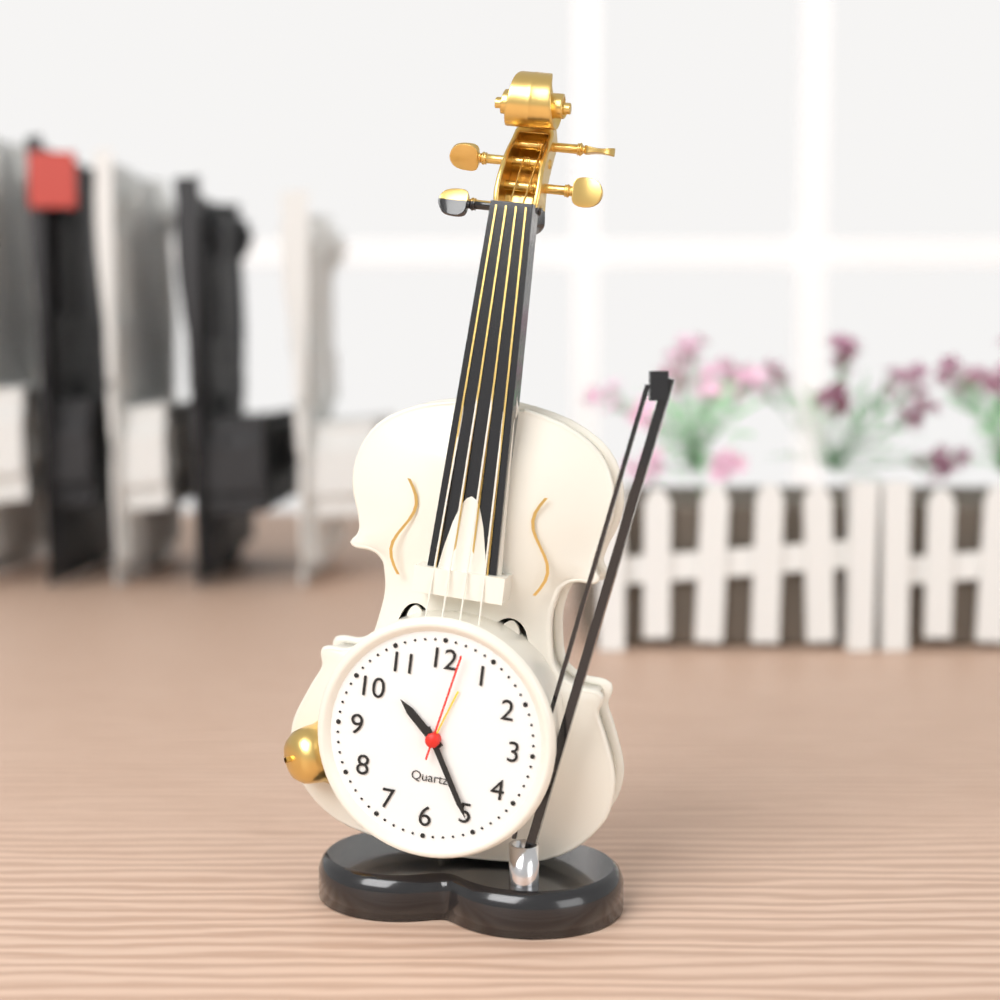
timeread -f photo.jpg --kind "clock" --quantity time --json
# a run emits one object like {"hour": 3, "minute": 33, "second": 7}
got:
{"hour": 10, "minute": 25, "second": 2}
